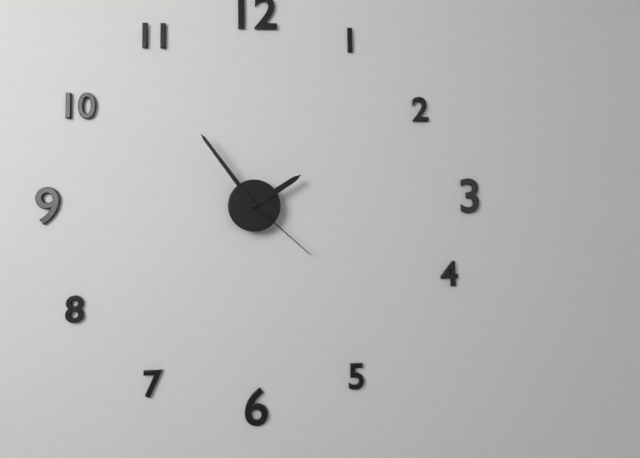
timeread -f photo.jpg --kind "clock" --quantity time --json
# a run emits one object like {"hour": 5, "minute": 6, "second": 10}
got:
{"hour": 1, "minute": 54, "second": 22}
